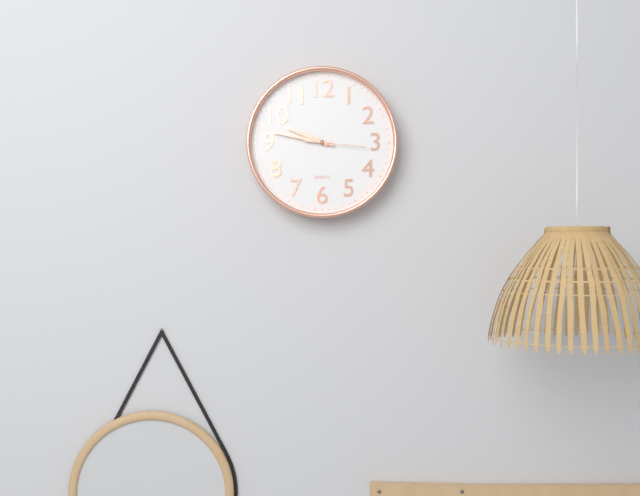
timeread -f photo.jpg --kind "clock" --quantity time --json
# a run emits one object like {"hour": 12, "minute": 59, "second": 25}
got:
{"hour": 9, "minute": 47, "second": 16}
